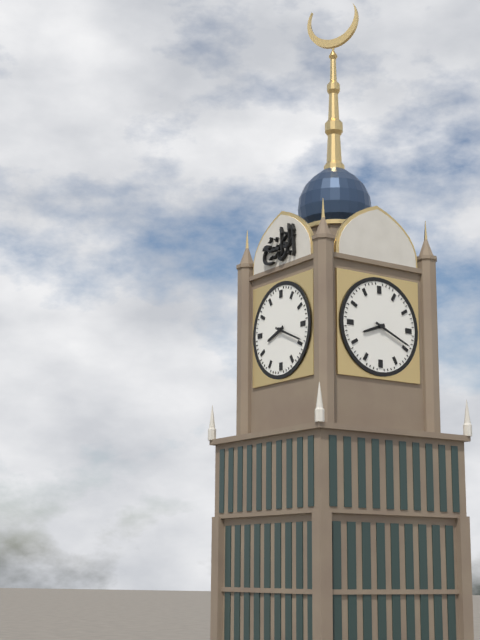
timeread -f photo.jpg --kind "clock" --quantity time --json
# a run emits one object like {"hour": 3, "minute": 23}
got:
{"hour": 8, "minute": 19}
